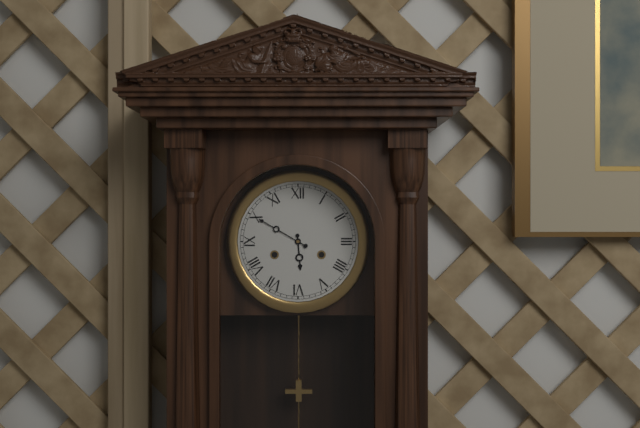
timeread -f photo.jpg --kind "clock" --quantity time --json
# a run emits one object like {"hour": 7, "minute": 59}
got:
{"hour": 5, "minute": 50}
